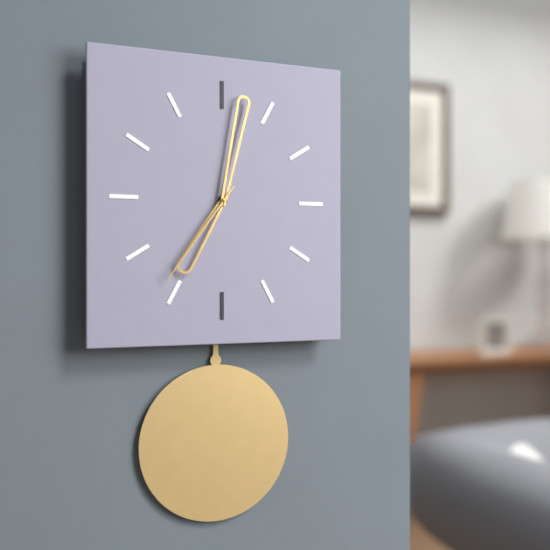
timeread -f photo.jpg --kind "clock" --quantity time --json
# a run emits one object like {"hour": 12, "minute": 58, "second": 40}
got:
{"hour": 7, "minute": 2, "second": 36}
